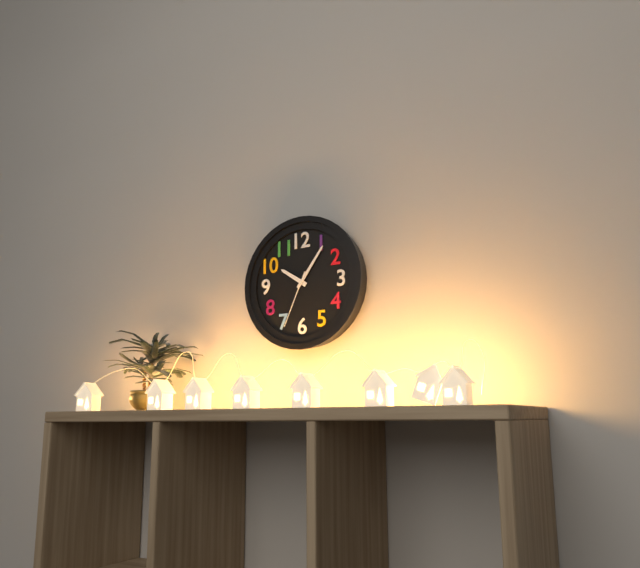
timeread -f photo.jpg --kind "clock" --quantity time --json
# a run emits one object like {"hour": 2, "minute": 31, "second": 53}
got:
{"hour": 10, "minute": 6, "second": 34}
